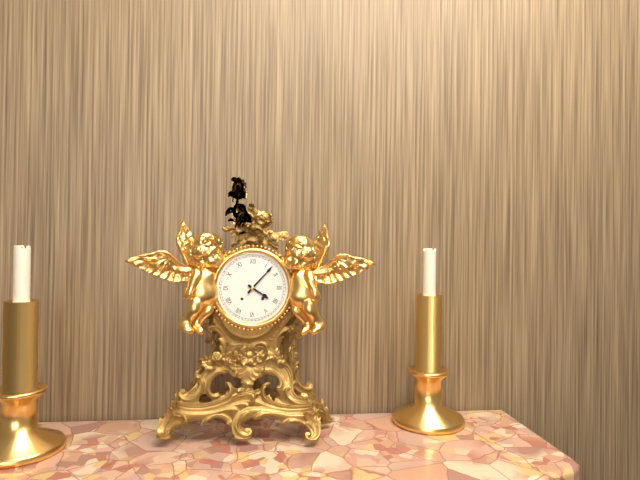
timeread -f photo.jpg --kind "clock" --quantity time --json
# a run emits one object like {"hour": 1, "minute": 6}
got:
{"hour": 4, "minute": 7}
